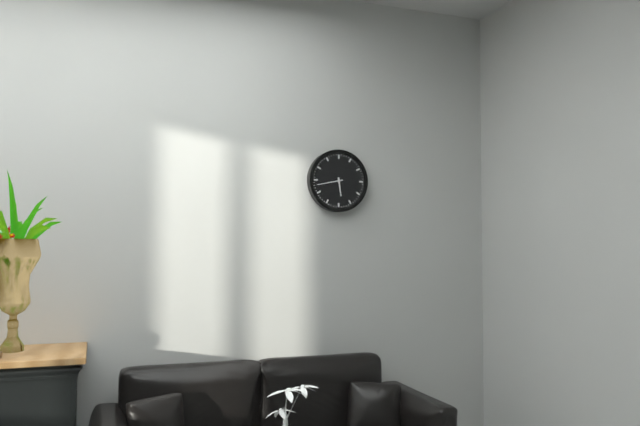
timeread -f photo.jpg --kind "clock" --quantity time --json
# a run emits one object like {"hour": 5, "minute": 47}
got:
{"hour": 5, "minute": 43}
